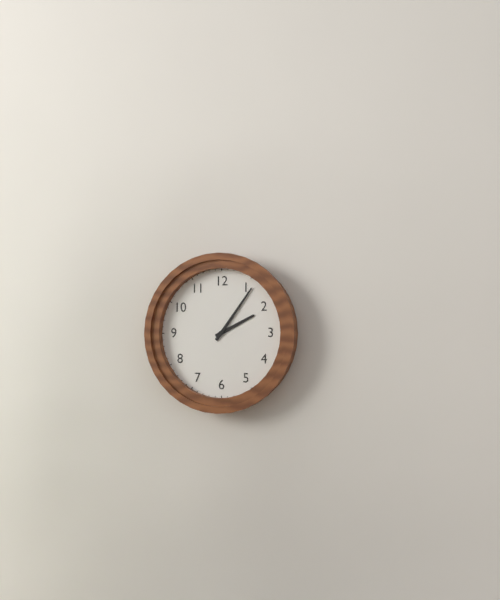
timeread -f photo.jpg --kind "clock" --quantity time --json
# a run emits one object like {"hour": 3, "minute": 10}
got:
{"hour": 2, "minute": 6}
